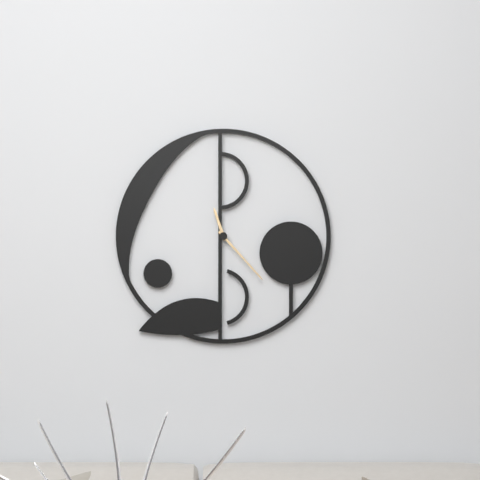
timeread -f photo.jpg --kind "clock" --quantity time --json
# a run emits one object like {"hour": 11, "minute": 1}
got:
{"hour": 11, "minute": 23}
